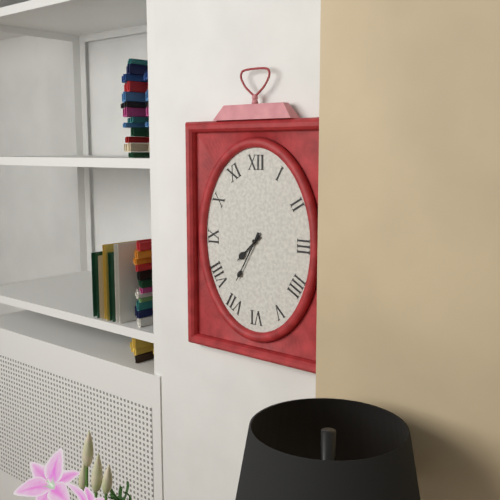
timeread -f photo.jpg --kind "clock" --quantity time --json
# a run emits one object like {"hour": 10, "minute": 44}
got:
{"hour": 7, "minute": 35}
